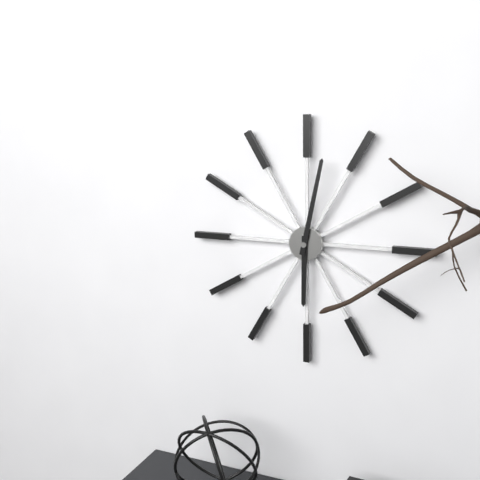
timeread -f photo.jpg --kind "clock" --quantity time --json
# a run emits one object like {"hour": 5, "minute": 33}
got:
{"hour": 6, "minute": 2}
